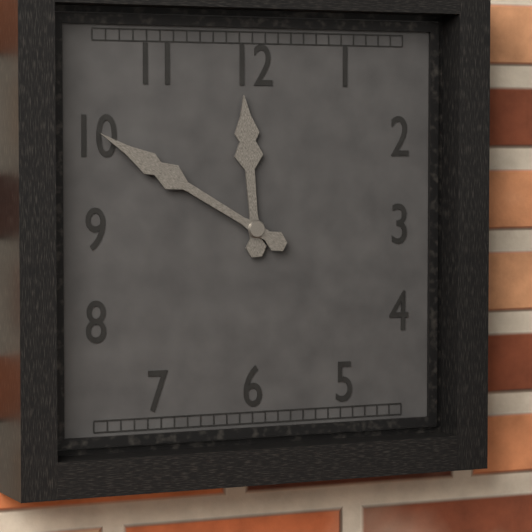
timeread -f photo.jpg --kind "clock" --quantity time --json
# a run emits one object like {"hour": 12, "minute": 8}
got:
{"hour": 11, "minute": 50}
